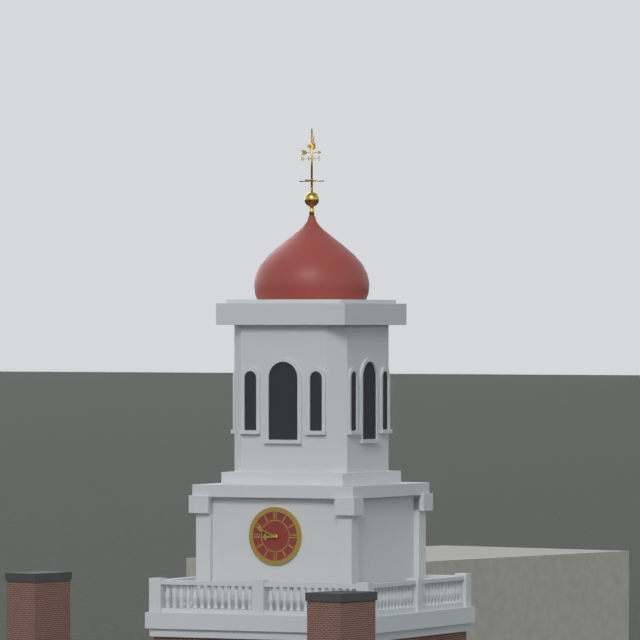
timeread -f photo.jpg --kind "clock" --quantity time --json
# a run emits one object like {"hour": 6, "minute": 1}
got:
{"hour": 8, "minute": 49}
